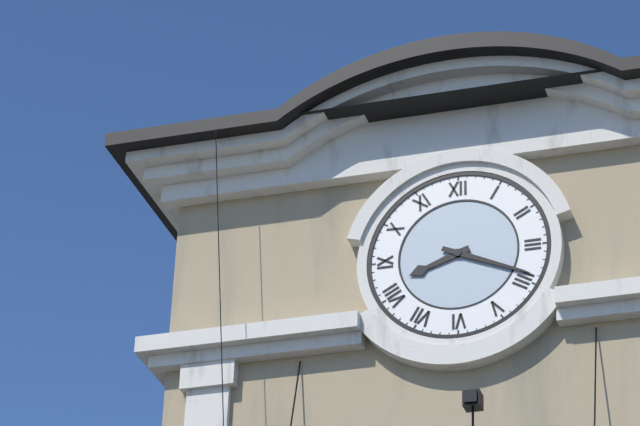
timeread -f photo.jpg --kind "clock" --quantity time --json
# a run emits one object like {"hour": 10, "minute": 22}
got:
{"hour": 8, "minute": 19}
